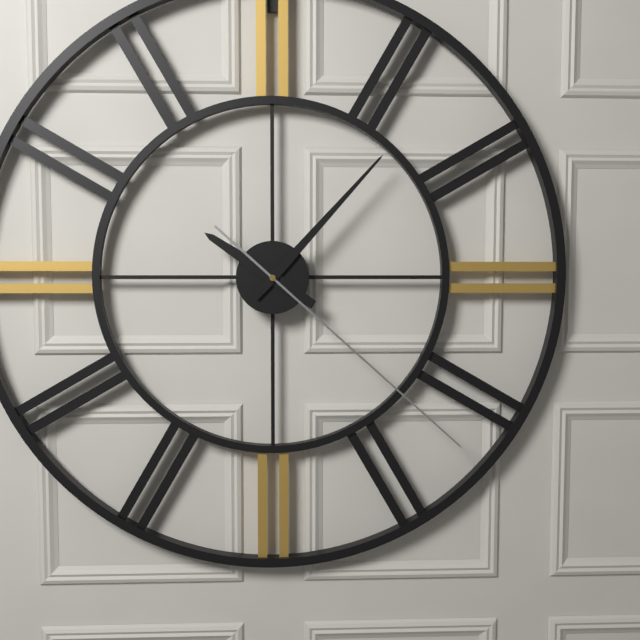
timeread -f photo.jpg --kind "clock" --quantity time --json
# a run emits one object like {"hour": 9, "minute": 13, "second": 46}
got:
{"hour": 10, "minute": 7, "second": 22}
